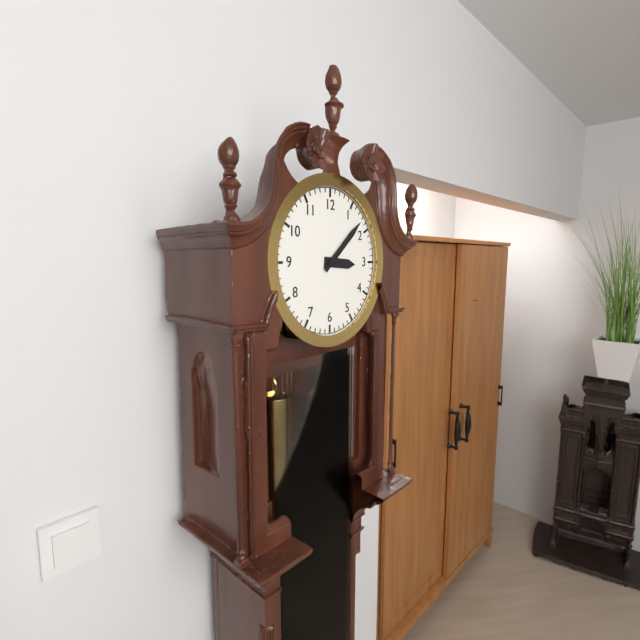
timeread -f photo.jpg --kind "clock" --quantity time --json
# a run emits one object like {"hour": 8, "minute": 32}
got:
{"hour": 3, "minute": 8}
